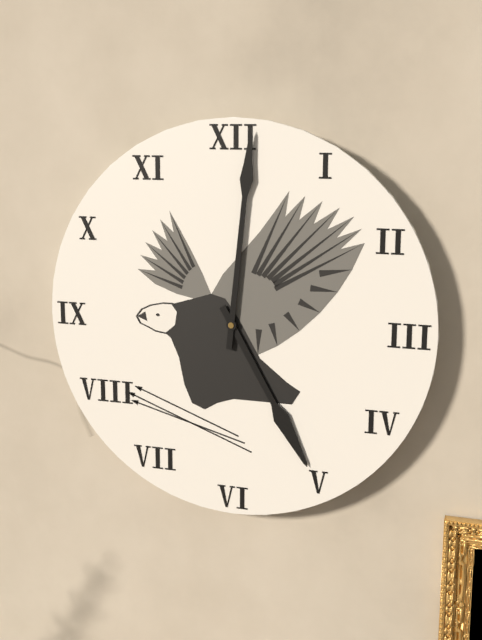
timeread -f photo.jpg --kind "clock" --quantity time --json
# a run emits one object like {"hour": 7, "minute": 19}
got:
{"hour": 5, "minute": 1}
